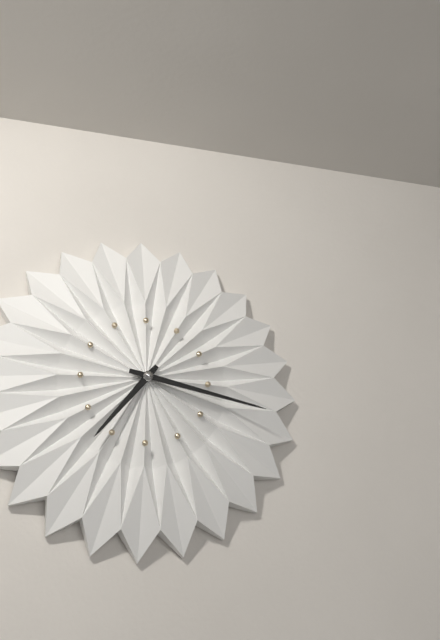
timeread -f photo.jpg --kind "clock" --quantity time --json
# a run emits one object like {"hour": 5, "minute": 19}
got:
{"hour": 7, "minute": 17}
